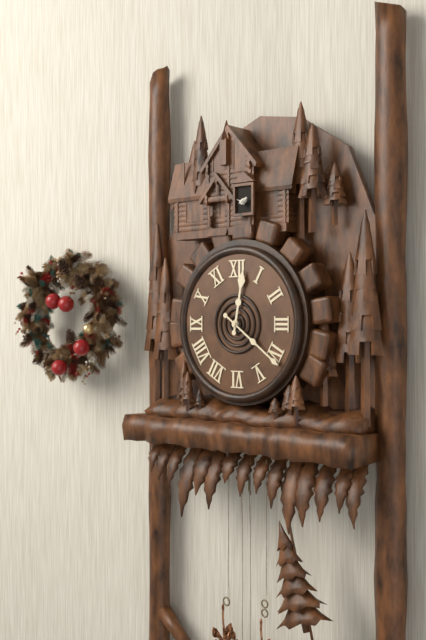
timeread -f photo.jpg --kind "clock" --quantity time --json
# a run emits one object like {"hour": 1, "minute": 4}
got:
{"hour": 12, "minute": 21}
